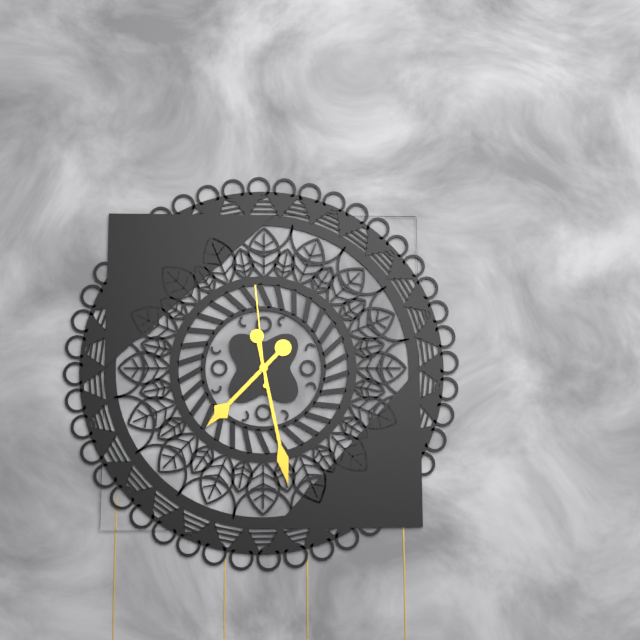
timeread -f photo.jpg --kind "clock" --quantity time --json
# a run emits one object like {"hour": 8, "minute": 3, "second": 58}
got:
{"hour": 7, "minute": 28, "second": 59}
